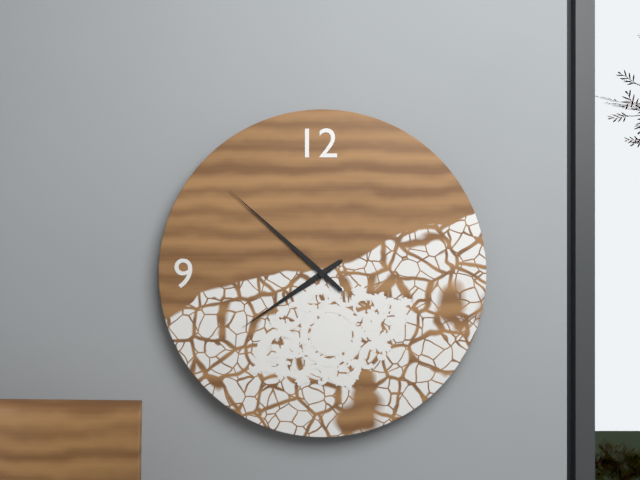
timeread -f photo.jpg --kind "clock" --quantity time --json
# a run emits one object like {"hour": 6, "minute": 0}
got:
{"hour": 7, "minute": 52}
